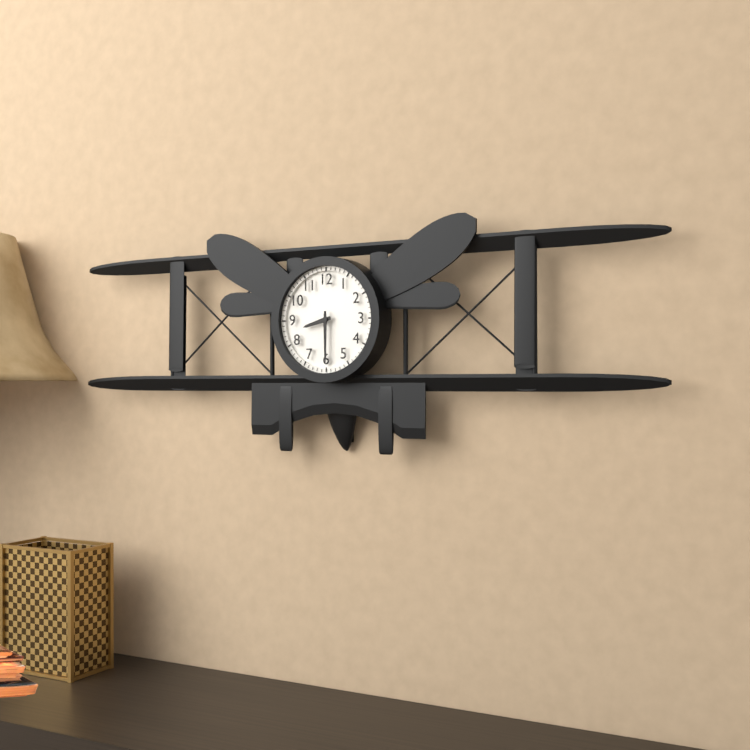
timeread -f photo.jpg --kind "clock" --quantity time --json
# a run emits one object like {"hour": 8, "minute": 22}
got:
{"hour": 8, "minute": 30}
